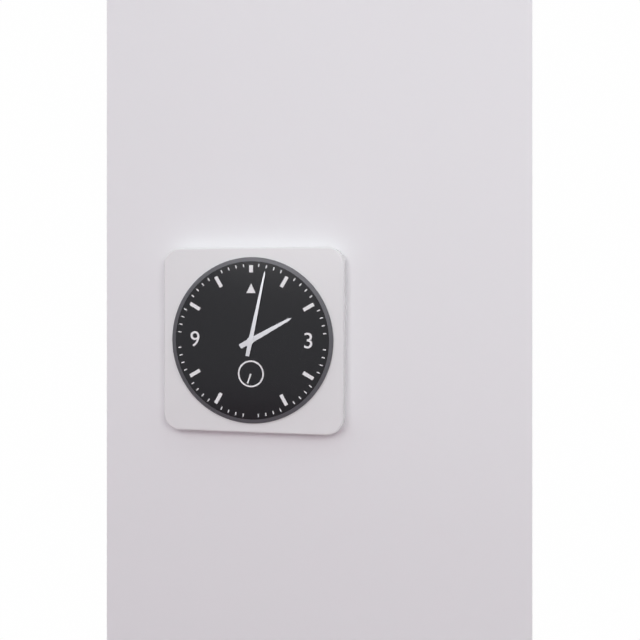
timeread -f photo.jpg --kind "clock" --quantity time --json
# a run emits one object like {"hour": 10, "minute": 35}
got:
{"hour": 2, "minute": 2}
